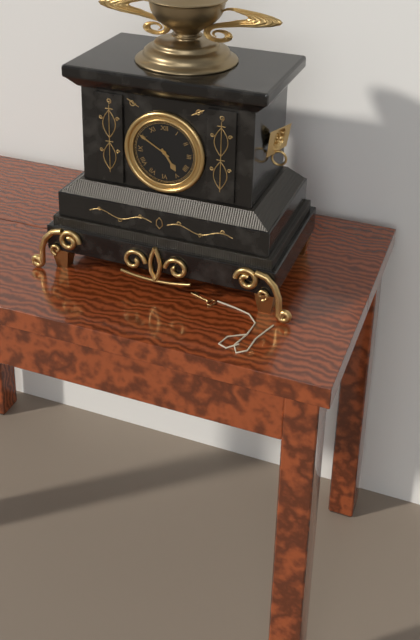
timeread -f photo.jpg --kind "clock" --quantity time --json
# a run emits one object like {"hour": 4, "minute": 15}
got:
{"hour": 4, "minute": 50}
